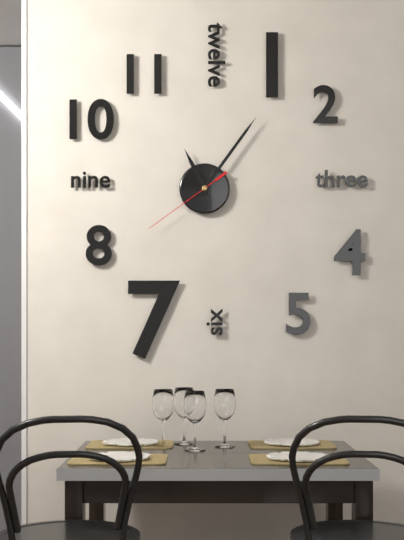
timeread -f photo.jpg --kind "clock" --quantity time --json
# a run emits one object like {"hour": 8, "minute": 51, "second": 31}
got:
{"hour": 11, "minute": 6, "second": 39}
